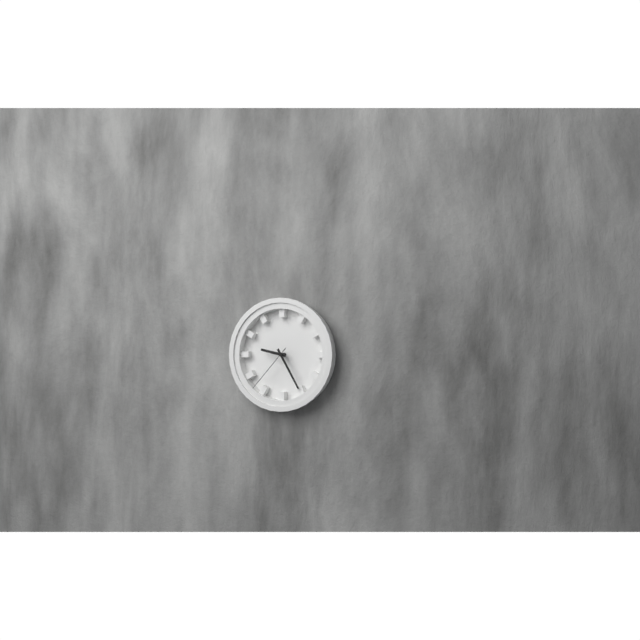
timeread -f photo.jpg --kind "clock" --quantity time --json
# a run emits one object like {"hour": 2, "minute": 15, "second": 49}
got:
{"hour": 9, "minute": 25, "second": 37}
